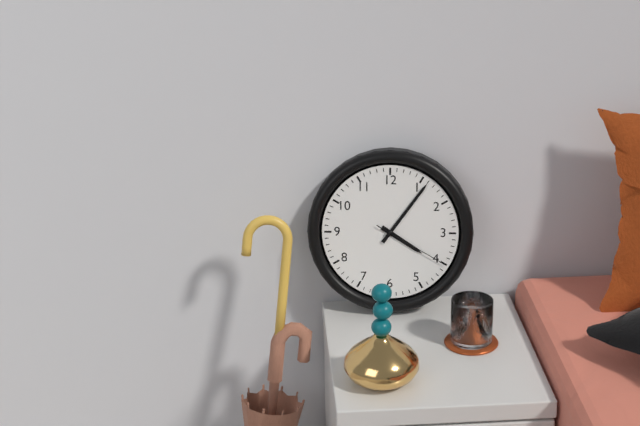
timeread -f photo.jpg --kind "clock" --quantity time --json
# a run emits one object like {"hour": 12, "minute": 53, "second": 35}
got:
{"hour": 4, "minute": 6, "second": 20}
